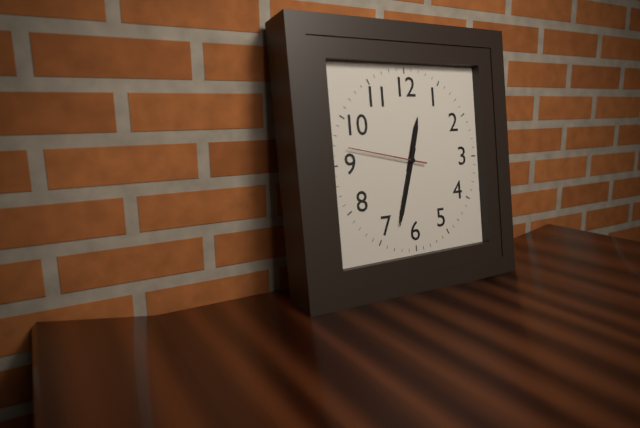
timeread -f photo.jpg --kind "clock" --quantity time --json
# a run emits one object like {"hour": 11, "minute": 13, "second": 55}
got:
{"hour": 12, "minute": 33, "second": 47}
